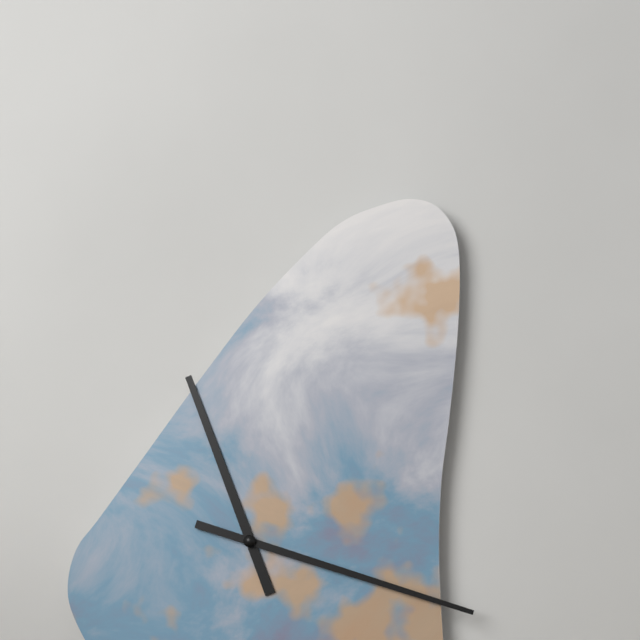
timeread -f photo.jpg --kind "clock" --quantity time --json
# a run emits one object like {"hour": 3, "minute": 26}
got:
{"hour": 11, "minute": 18}
